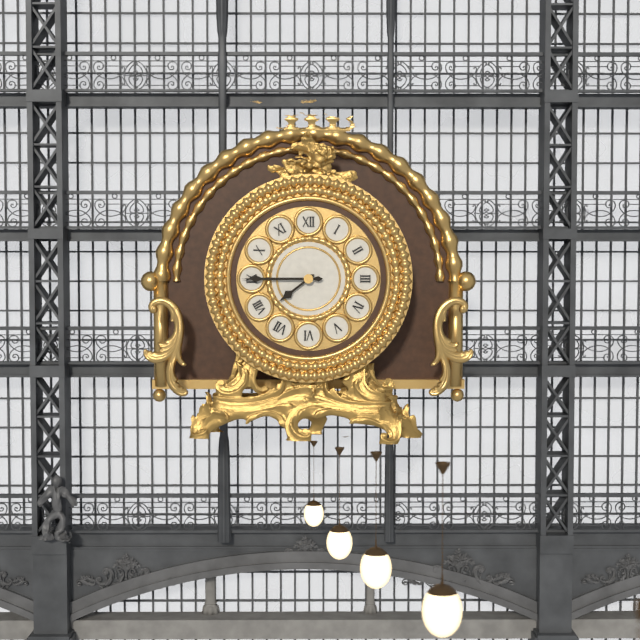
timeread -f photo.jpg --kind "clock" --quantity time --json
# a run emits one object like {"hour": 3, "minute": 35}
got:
{"hour": 7, "minute": 45}
